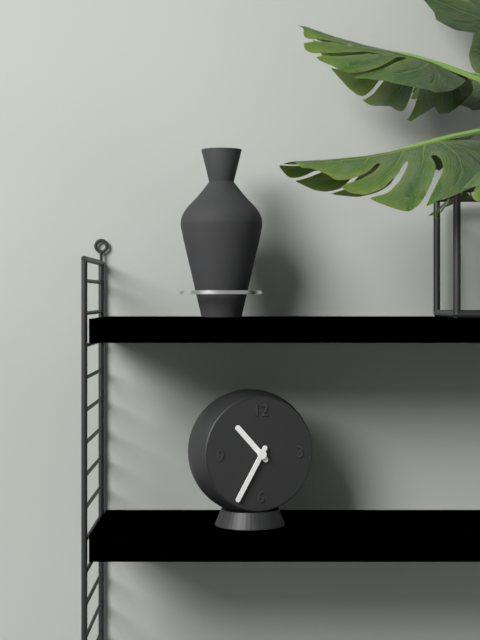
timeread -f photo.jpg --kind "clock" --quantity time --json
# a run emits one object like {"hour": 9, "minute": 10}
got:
{"hour": 10, "minute": 35}
